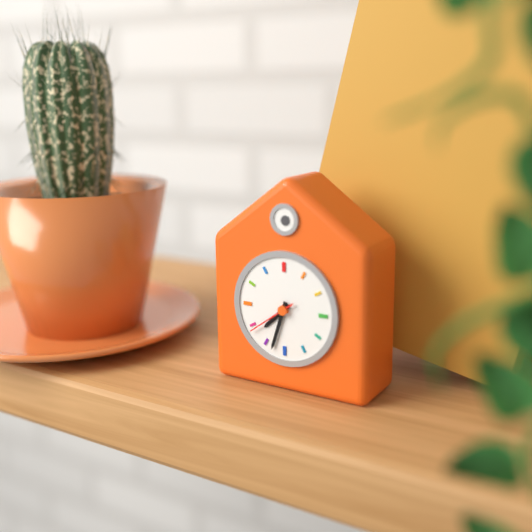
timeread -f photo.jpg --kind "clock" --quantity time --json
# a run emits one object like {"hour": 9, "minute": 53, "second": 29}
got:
{"hour": 7, "minute": 33, "second": 39}
